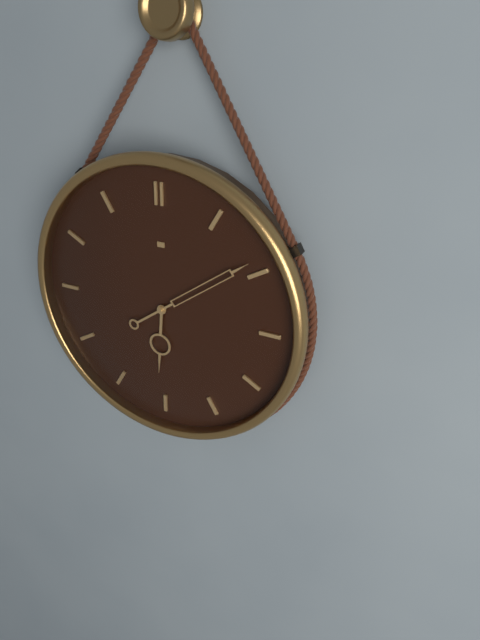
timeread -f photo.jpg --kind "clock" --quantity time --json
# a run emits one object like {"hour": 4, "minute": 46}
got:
{"hour": 6, "minute": 9}
